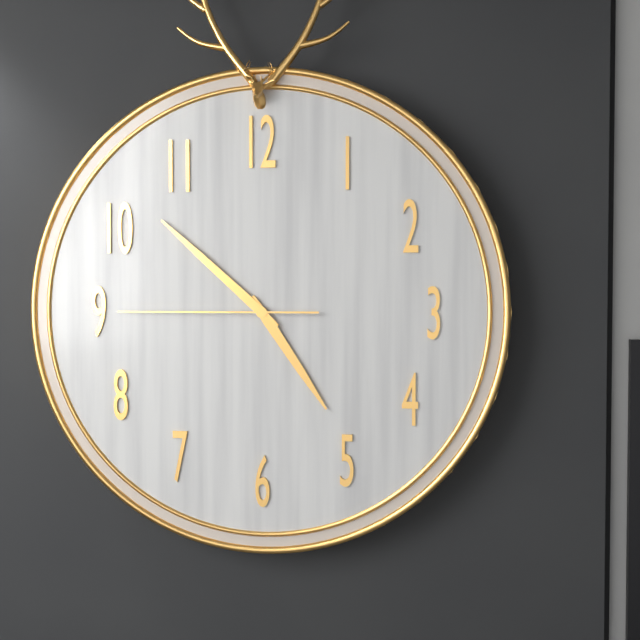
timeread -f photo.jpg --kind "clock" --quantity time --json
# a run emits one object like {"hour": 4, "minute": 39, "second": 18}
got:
{"hour": 4, "minute": 52, "second": 45}
